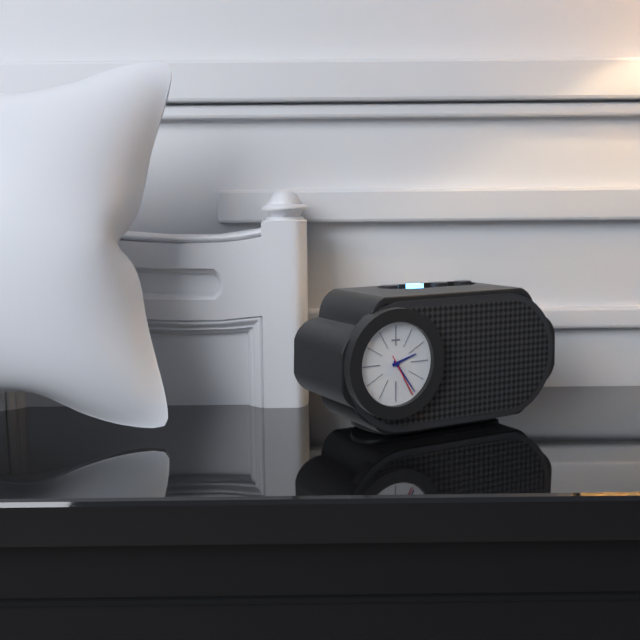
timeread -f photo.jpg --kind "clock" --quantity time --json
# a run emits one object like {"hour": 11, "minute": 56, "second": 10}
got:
{"hour": 2, "minute": 24, "second": 25}
